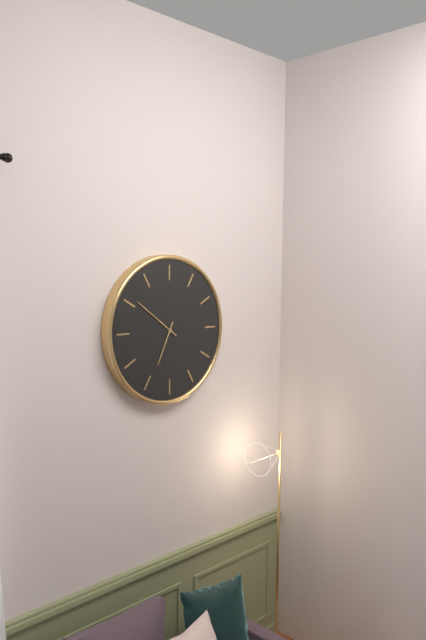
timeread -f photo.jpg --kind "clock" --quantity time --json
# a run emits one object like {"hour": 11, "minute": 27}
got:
{"hour": 6, "minute": 51}
